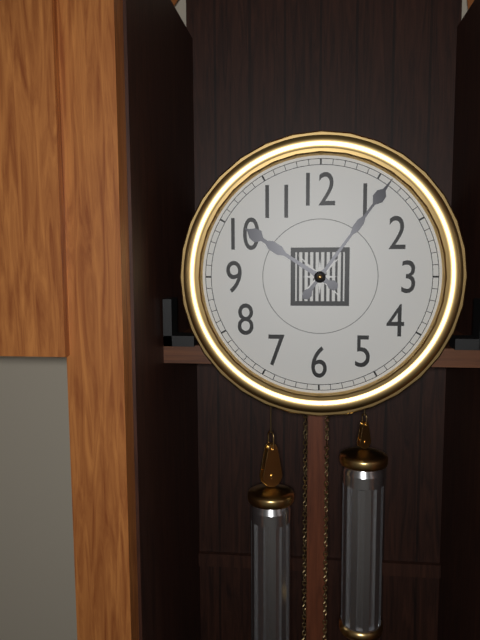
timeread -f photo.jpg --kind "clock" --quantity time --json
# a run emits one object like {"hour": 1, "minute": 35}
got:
{"hour": 10, "minute": 6}
